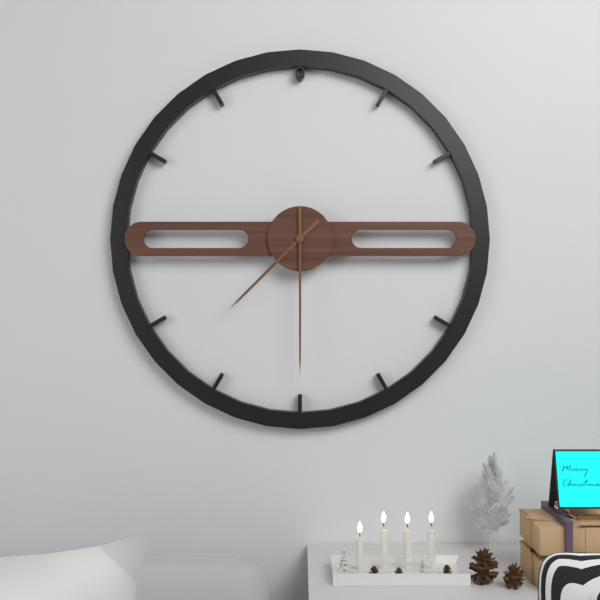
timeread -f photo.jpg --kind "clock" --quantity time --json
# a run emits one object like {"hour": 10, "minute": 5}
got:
{"hour": 7, "minute": 30}
